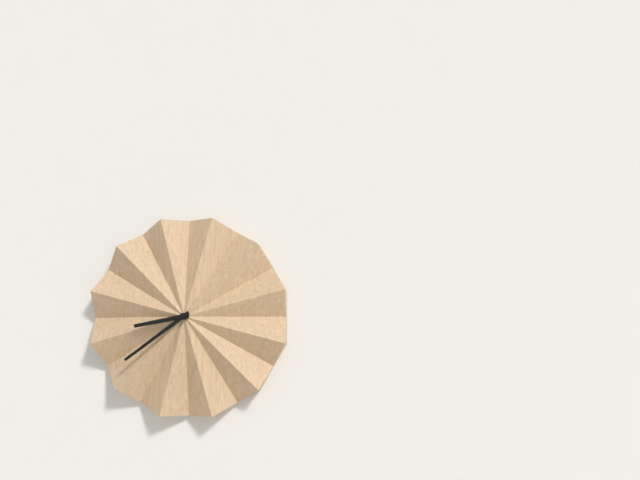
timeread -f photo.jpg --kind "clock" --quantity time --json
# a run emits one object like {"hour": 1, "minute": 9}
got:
{"hour": 8, "minute": 39}
